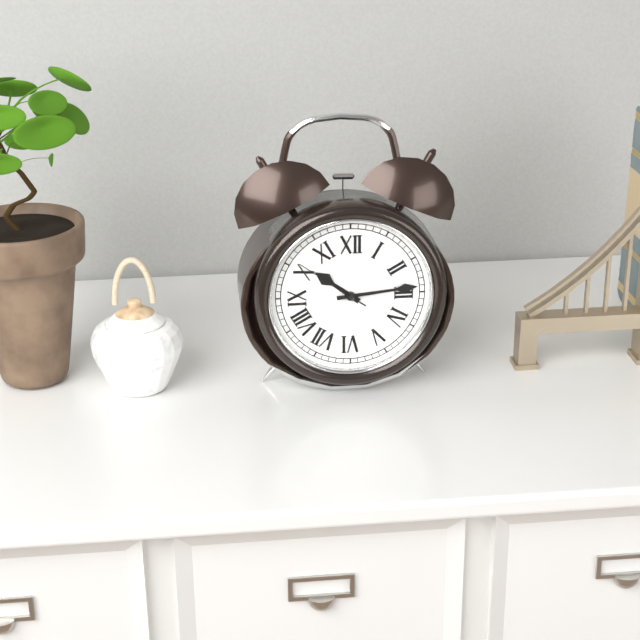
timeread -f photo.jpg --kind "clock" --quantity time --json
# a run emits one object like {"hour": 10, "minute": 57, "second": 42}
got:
{"hour": 10, "minute": 14, "second": 51}
